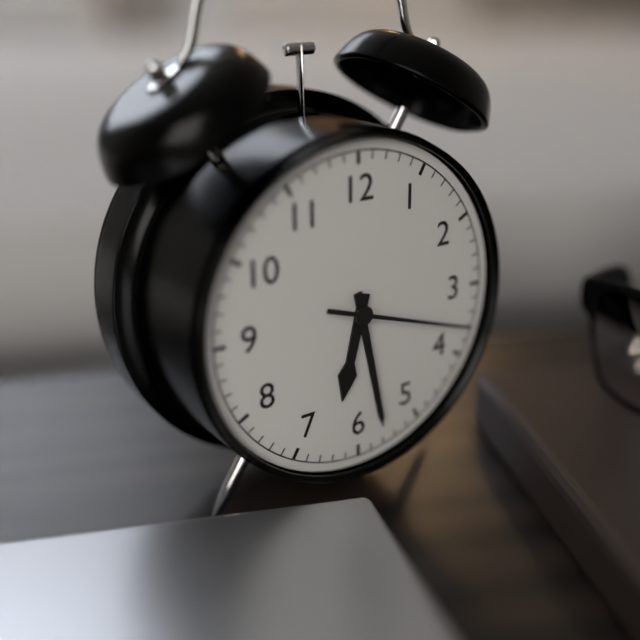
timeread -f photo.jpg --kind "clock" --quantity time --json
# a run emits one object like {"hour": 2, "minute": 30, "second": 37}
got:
{"hour": 6, "minute": 28, "second": 18}
